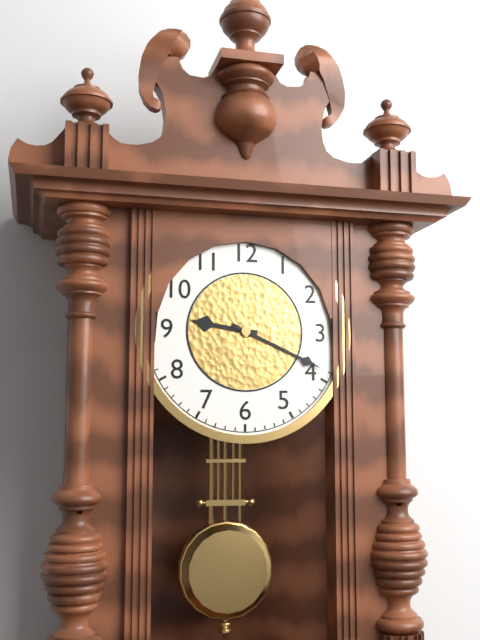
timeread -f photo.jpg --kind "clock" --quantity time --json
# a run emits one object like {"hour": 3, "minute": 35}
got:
{"hour": 9, "minute": 19}
